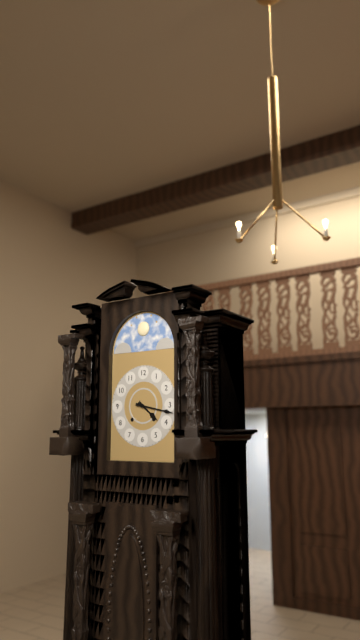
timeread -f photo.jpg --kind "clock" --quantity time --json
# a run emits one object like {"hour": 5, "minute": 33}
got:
{"hour": 4, "minute": 17}
